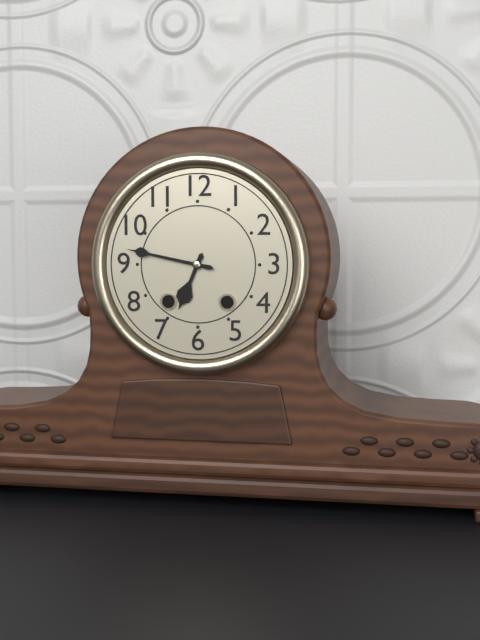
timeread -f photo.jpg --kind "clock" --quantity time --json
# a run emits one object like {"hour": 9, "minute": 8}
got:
{"hour": 6, "minute": 47}
